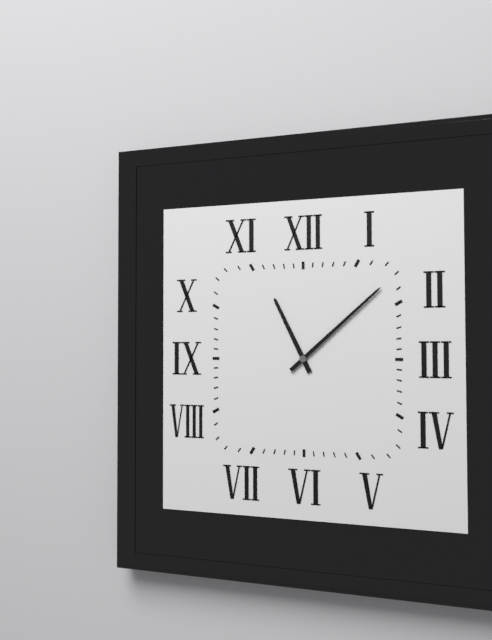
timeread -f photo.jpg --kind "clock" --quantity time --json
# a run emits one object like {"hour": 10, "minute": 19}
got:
{"hour": 11, "minute": 8}
